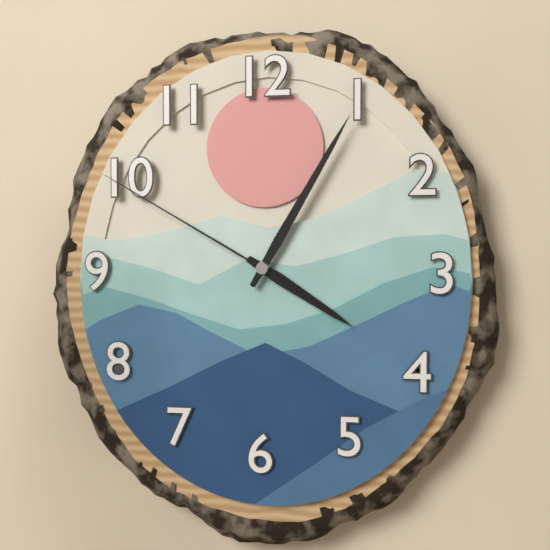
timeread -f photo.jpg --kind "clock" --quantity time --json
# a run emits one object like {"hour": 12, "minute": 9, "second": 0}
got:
{"hour": 4, "minute": 5, "second": 50}
